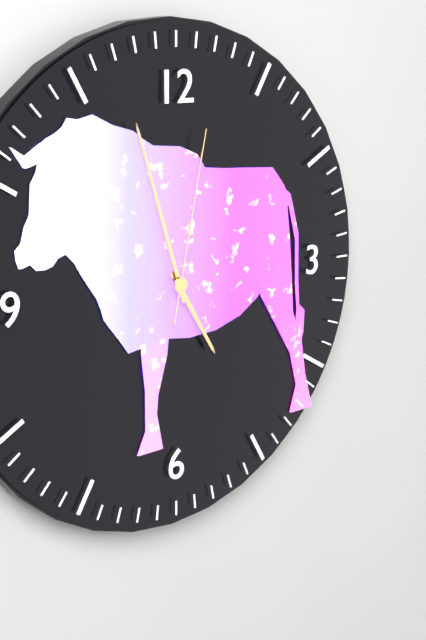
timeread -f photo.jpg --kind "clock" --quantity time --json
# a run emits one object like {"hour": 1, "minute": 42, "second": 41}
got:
{"hour": 4, "minute": 57, "second": 2}
